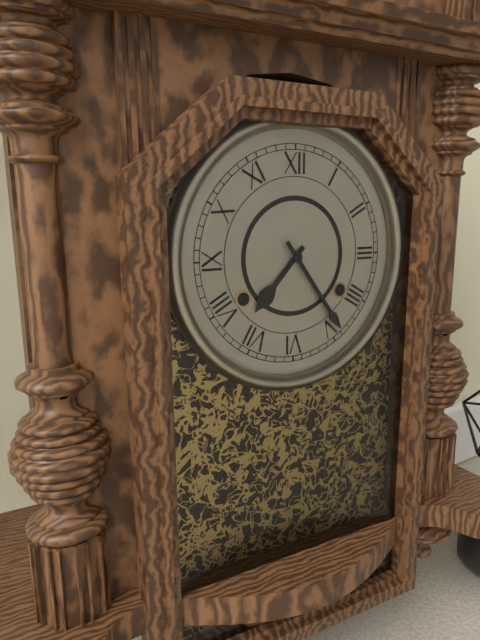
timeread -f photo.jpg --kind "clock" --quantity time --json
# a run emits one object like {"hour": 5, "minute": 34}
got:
{"hour": 7, "minute": 24}
